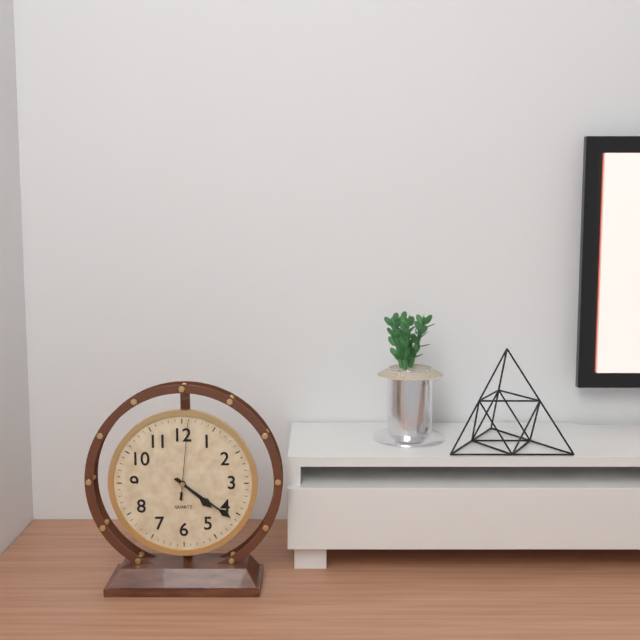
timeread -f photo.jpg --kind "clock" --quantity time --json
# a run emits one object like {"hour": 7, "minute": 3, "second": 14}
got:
{"hour": 4, "minute": 21, "second": 1}
